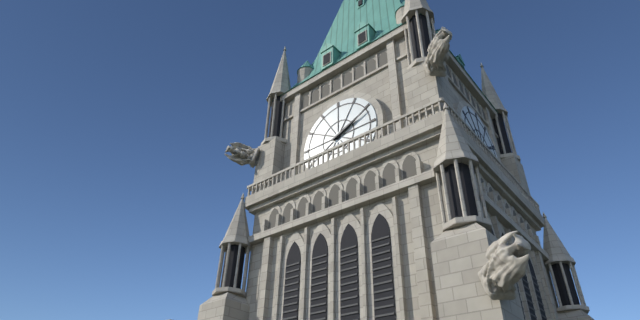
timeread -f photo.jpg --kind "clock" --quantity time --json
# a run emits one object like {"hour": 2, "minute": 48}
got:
{"hour": 2, "minute": 11}
